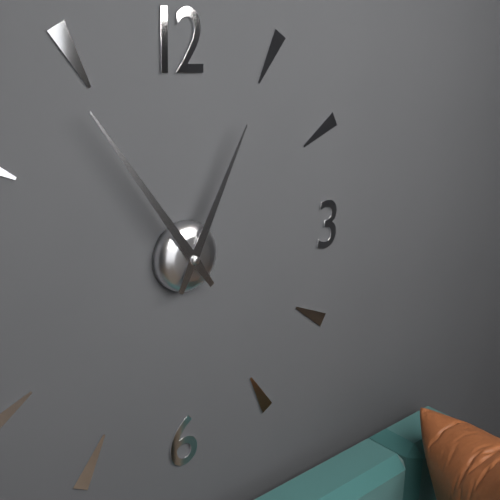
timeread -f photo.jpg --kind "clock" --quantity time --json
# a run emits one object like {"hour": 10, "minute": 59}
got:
{"hour": 12, "minute": 54}
